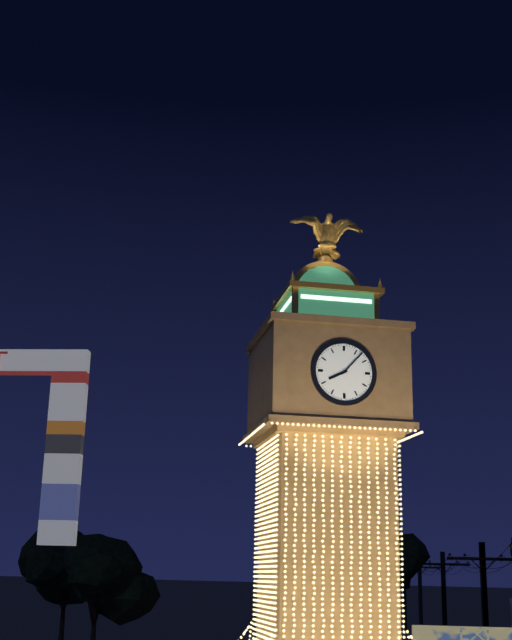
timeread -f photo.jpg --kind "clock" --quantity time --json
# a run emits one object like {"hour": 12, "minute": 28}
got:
{"hour": 8, "minute": 7}
